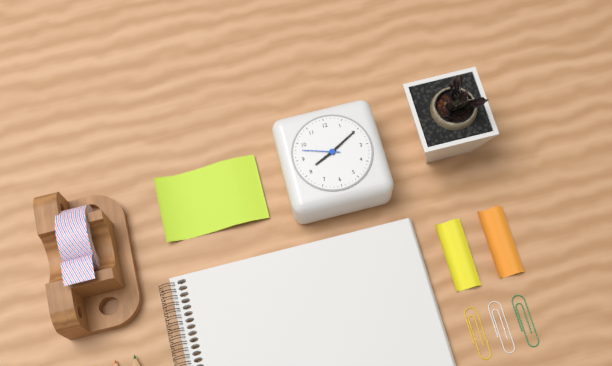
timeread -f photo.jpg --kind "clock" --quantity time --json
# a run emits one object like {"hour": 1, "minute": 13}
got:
{"hour": 8, "minute": 10}
